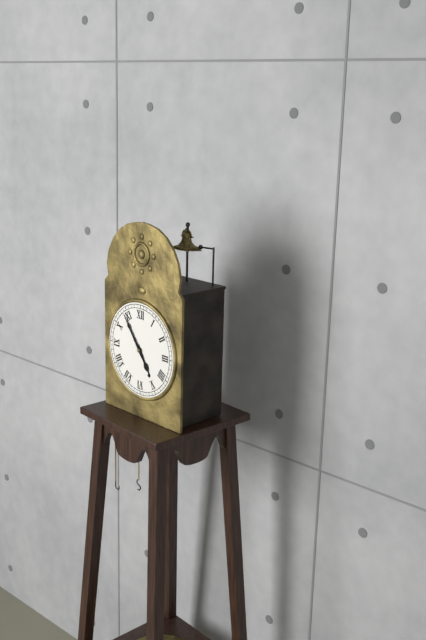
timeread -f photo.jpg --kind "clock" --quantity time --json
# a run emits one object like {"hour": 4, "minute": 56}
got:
{"hour": 4, "minute": 54}
